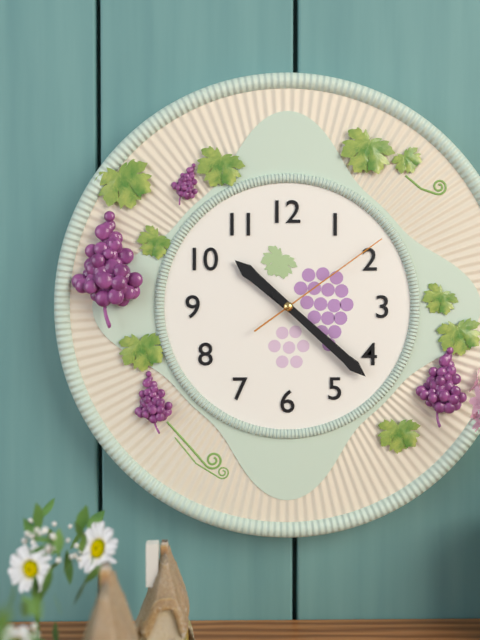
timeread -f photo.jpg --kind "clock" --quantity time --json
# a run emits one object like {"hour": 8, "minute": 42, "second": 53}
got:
{"hour": 10, "minute": 22, "second": 9}
